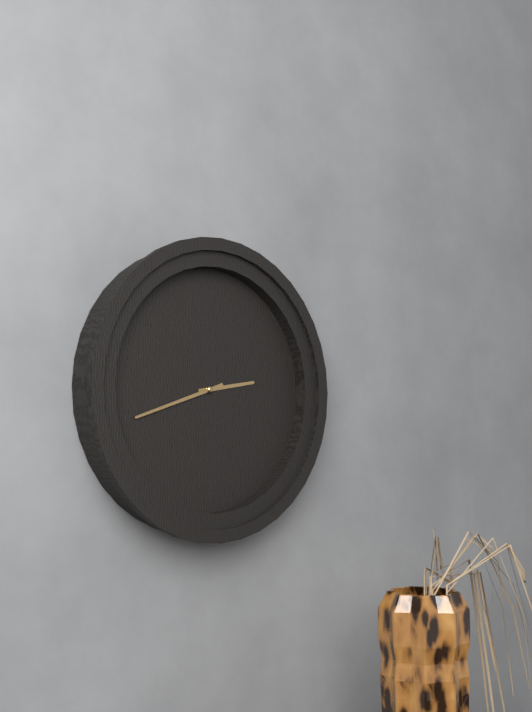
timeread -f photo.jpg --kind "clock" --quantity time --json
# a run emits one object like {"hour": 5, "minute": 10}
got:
{"hour": 2, "minute": 42}
